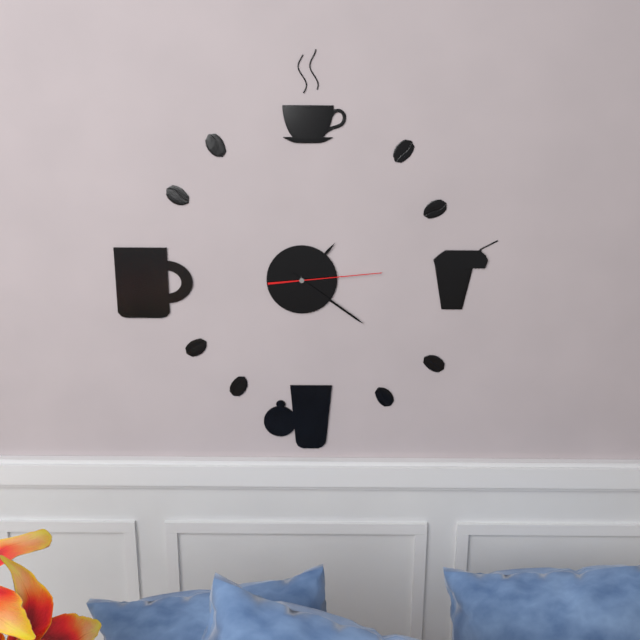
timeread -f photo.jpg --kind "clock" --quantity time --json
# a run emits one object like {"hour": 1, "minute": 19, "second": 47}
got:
{"hour": 1, "minute": 21, "second": 14}
